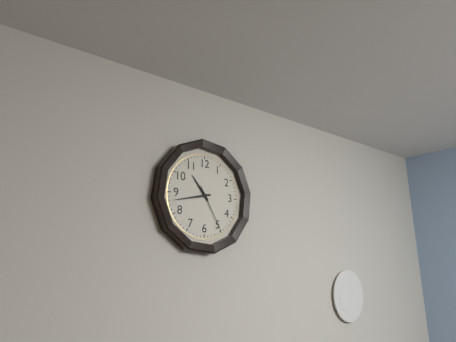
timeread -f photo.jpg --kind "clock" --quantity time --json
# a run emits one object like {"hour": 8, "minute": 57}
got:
{"hour": 10, "minute": 43}
